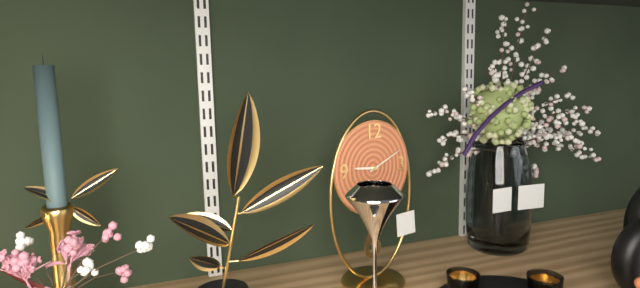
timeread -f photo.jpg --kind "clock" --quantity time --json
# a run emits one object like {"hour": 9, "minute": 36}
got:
{"hour": 9, "minute": 11}
